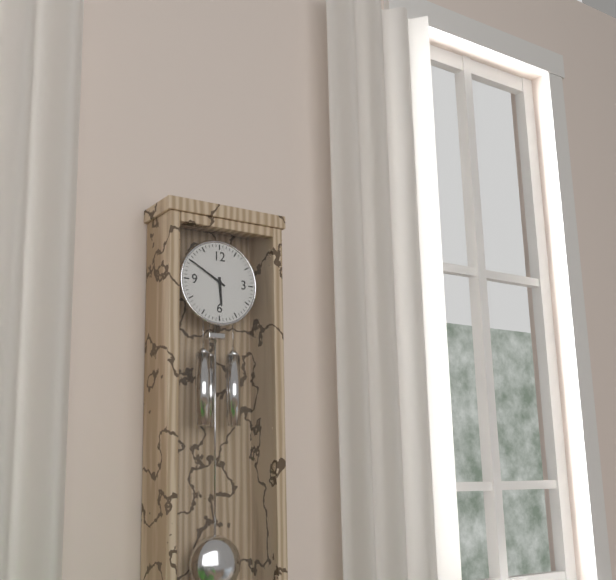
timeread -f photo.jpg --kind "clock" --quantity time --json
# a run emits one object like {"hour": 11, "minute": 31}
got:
{"hour": 5, "minute": 50}
